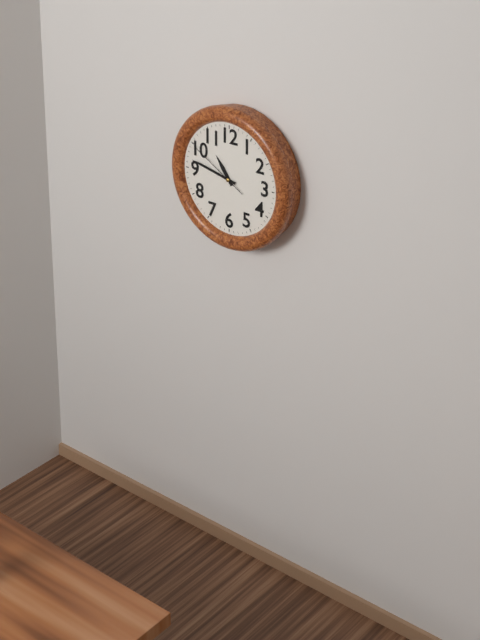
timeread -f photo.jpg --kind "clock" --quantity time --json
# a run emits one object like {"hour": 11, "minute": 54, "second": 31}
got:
{"hour": 10, "minute": 47, "second": 50}
